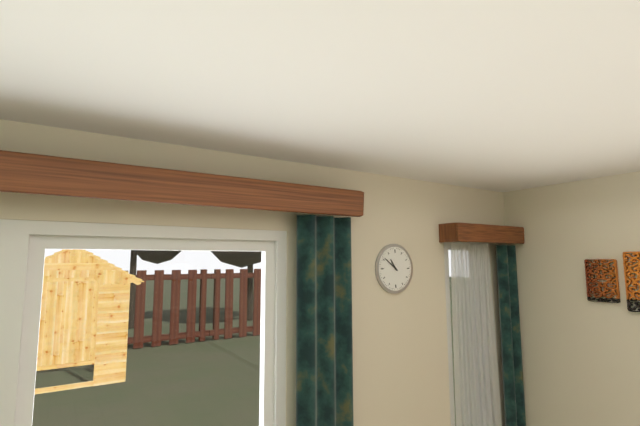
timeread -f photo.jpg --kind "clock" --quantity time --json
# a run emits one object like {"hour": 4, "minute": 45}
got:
{"hour": 10, "minute": 51}
